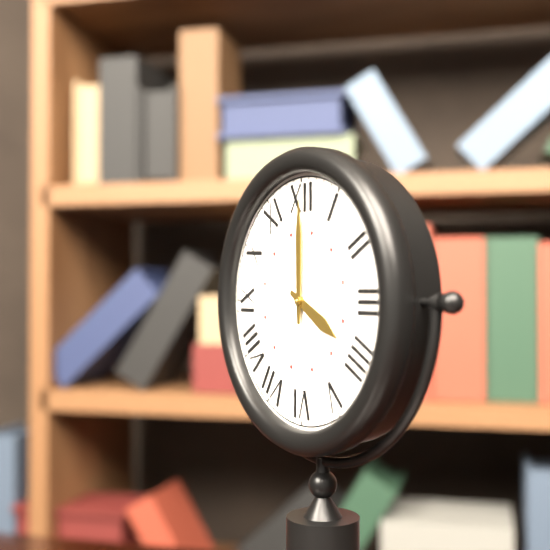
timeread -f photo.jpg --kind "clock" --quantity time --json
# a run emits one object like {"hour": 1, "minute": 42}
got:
{"hour": 4, "minute": 0}
